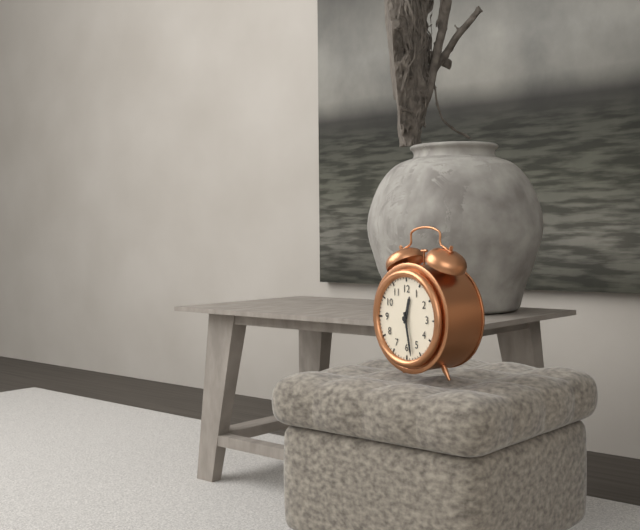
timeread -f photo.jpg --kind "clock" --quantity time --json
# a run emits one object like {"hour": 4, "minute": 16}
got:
{"hour": 12, "minute": 28}
